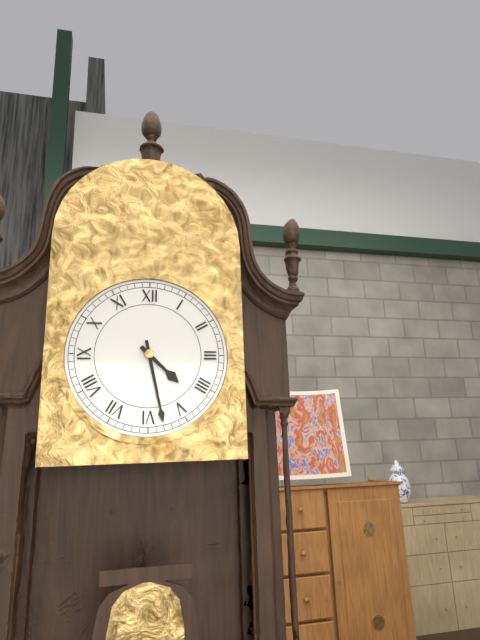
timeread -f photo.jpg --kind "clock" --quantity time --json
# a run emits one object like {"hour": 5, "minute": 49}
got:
{"hour": 4, "minute": 28}
